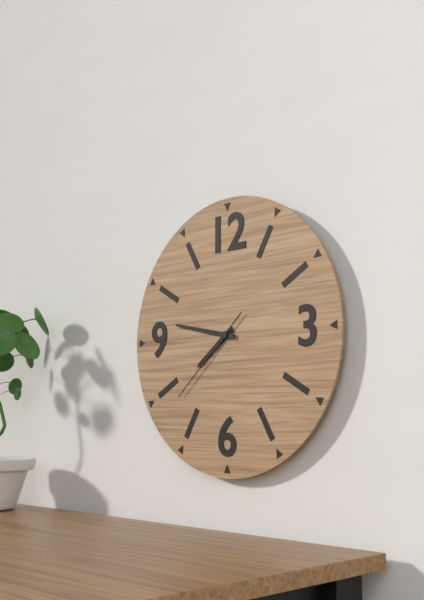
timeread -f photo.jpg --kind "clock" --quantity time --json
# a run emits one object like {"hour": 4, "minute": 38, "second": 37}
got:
{"hour": 7, "minute": 47, "second": 38}
